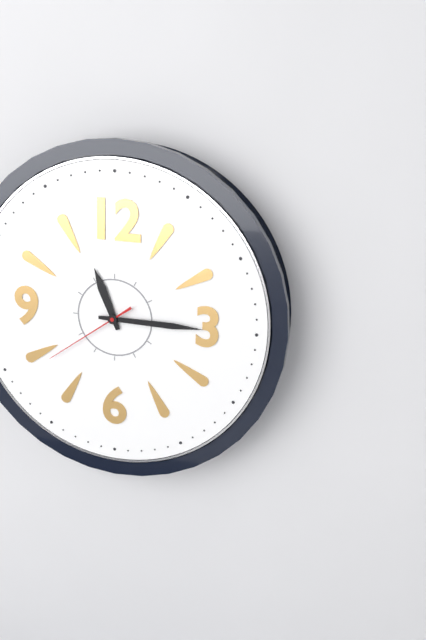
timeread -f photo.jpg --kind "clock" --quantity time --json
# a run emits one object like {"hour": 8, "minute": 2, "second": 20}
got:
{"hour": 11, "minute": 15, "second": 39}
